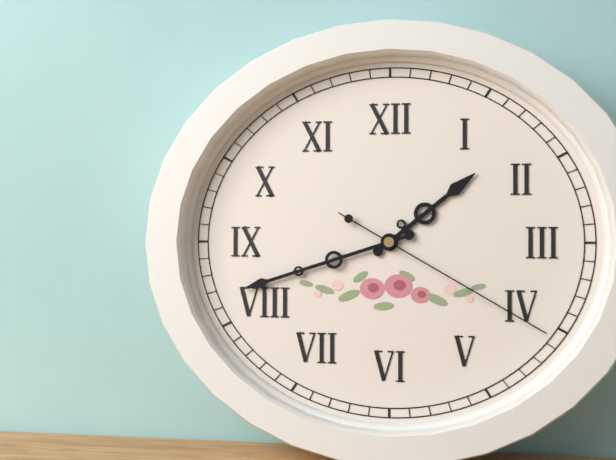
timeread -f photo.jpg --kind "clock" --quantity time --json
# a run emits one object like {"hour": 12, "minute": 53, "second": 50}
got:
{"hour": 1, "minute": 42, "second": 20}
